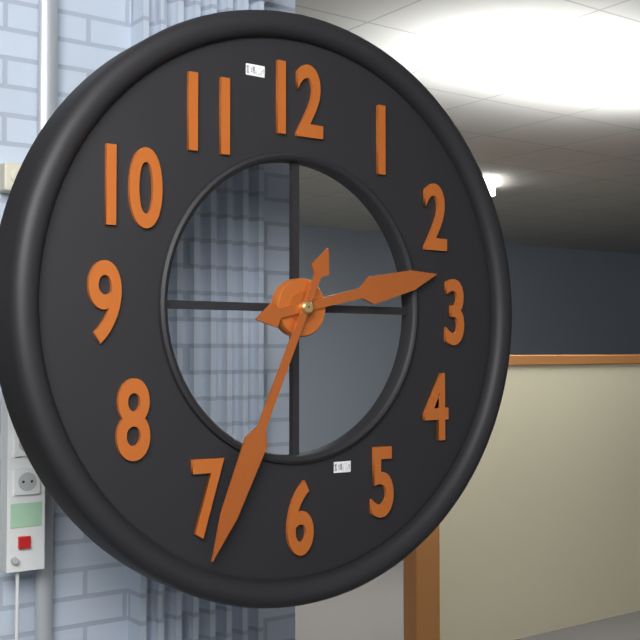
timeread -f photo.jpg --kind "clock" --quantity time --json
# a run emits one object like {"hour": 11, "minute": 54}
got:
{"hour": 2, "minute": 34}
